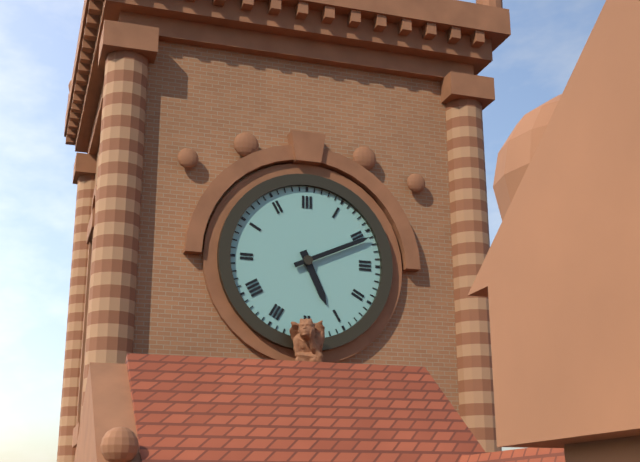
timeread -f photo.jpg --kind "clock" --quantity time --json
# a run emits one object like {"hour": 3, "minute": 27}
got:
{"hour": 5, "minute": 11}
